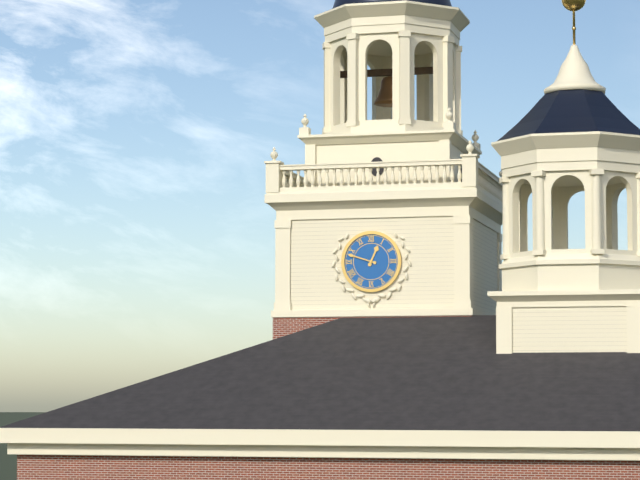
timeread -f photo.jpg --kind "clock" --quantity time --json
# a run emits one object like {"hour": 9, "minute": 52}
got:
{"hour": 12, "minute": 48}
